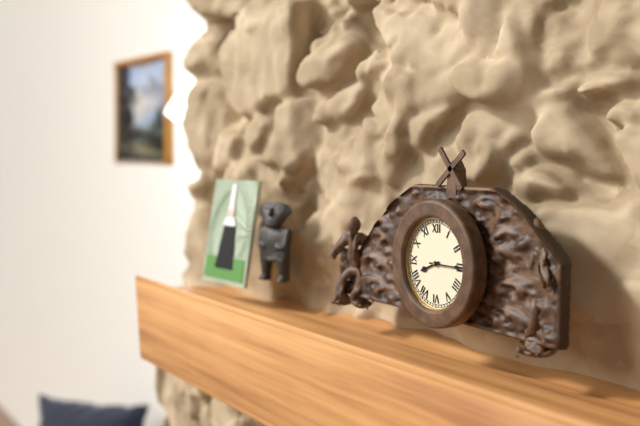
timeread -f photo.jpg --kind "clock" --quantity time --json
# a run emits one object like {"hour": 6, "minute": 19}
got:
{"hour": 8, "minute": 15}
